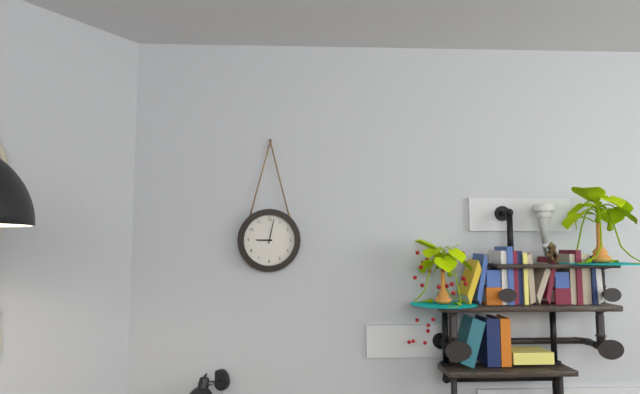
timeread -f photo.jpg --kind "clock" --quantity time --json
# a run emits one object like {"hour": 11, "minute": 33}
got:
{"hour": 9, "minute": 2}
